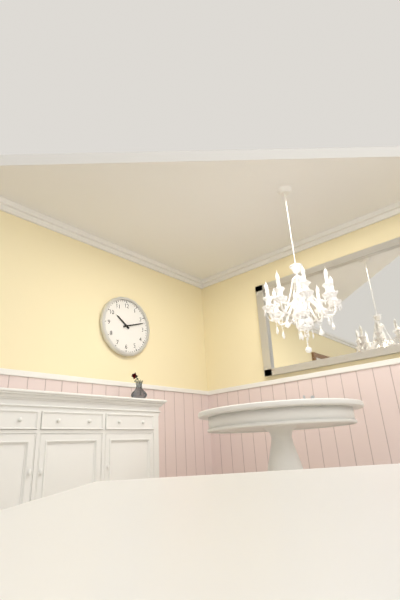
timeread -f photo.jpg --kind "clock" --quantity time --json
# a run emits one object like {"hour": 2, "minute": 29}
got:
{"hour": 10, "minute": 12}
